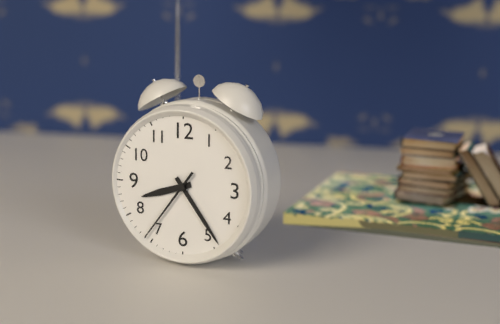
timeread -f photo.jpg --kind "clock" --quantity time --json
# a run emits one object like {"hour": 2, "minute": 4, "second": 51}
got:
{"hour": 8, "minute": 24, "second": 36}
